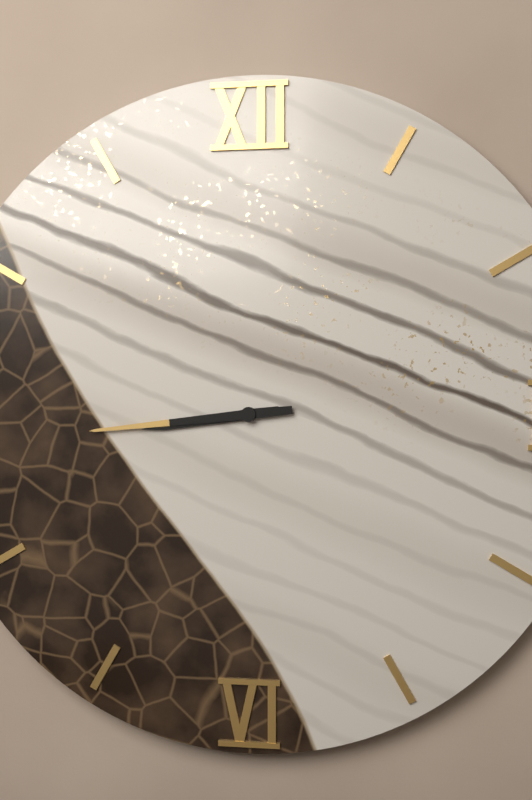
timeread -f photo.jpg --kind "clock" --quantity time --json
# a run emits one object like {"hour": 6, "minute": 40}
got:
{"hour": 8, "minute": 44}
